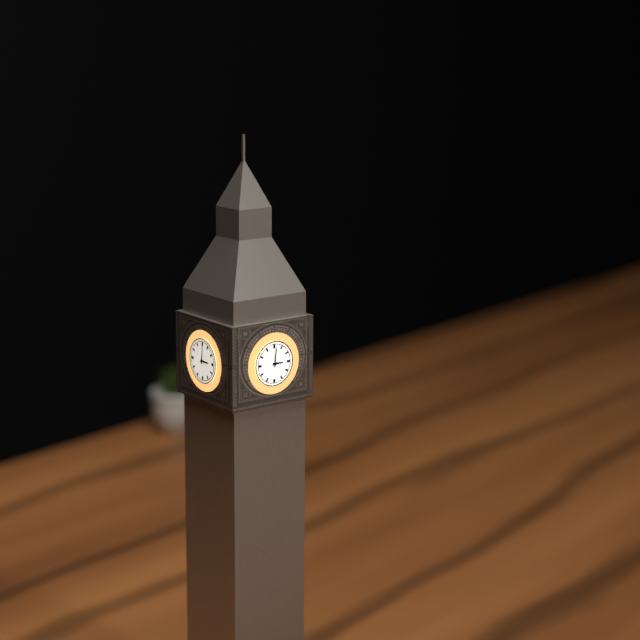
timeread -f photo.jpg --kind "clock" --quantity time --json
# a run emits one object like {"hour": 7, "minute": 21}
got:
{"hour": 3, "minute": 1}
